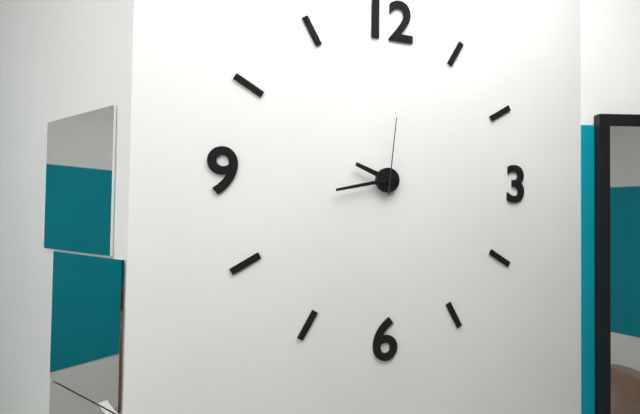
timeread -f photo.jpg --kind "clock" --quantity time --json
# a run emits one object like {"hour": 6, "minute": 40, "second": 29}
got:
{"hour": 9, "minute": 43, "second": 1}
